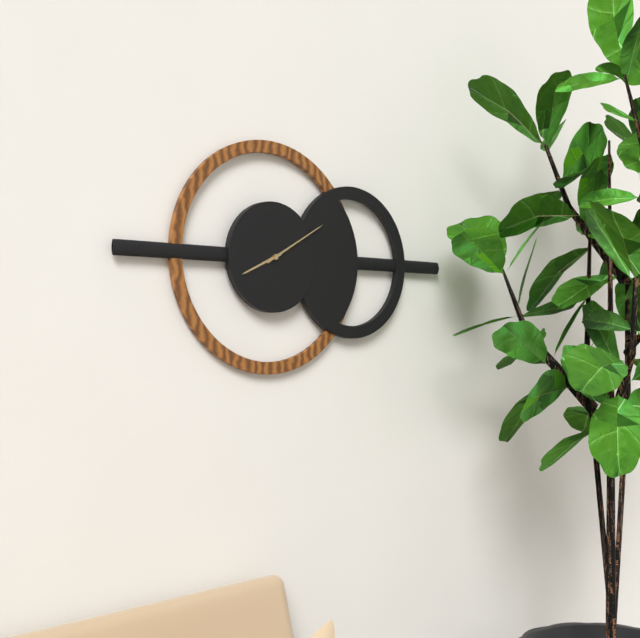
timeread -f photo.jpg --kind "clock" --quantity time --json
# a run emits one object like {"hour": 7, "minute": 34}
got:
{"hour": 8, "minute": 10}
